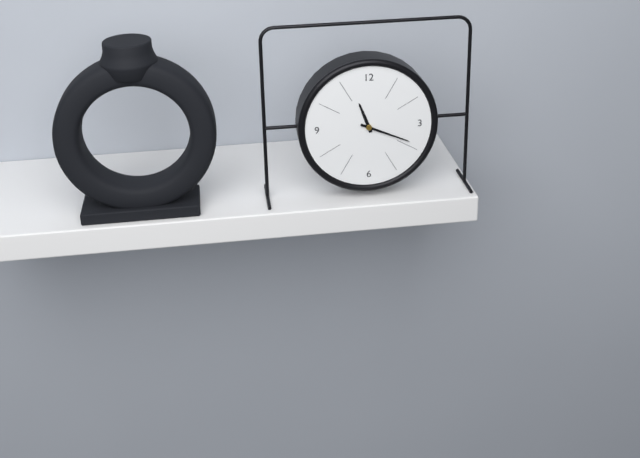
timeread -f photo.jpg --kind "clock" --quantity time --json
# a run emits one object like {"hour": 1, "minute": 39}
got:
{"hour": 11, "minute": 19}
